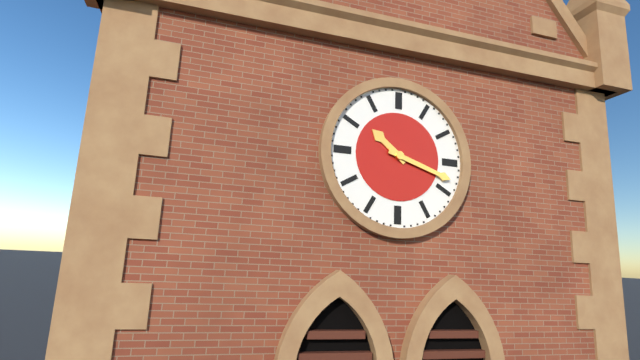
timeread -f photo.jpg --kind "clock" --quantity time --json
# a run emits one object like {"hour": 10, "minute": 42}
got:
{"hour": 10, "minute": 18}
